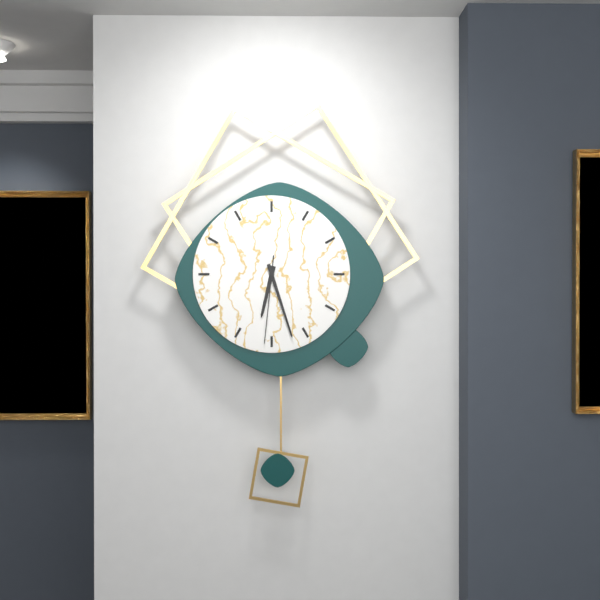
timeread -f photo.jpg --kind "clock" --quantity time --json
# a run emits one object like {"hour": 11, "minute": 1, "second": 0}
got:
{"hour": 6, "minute": 27, "second": 31}
